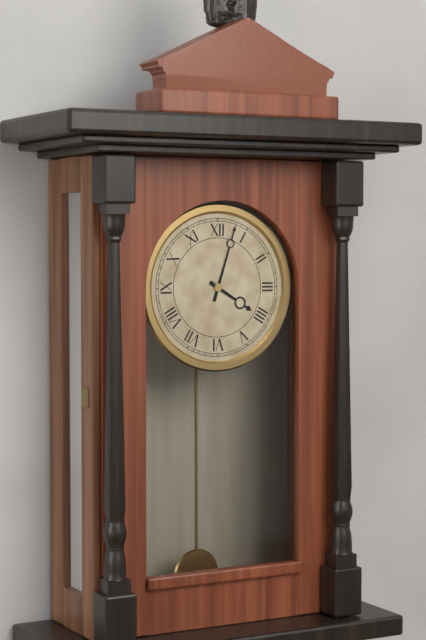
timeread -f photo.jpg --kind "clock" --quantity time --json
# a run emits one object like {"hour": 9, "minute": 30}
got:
{"hour": 4, "minute": 3}
